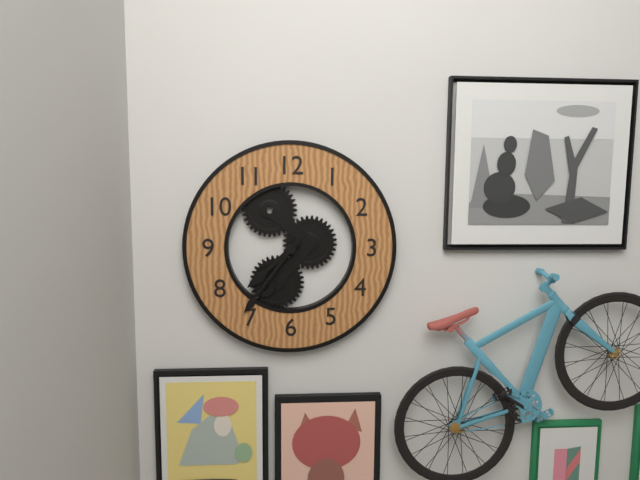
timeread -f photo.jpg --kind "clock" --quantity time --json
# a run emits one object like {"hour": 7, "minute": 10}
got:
{"hour": 7, "minute": 36}
